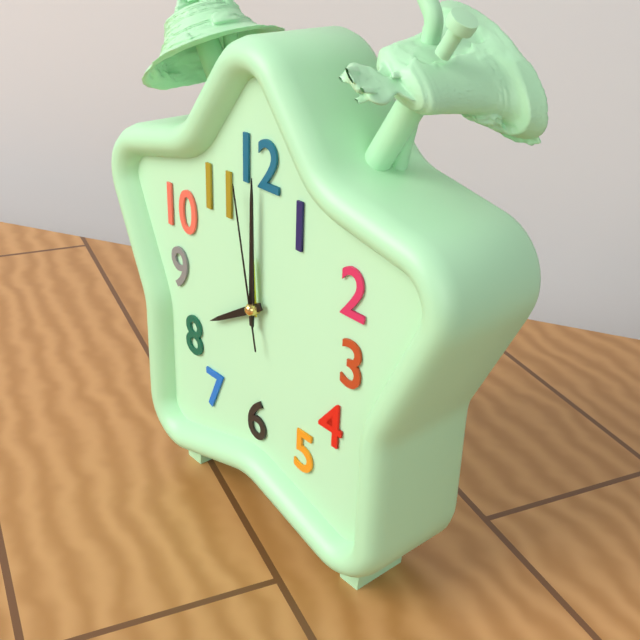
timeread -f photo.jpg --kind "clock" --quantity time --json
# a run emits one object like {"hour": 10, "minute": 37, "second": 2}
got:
{"hour": 8, "minute": 0, "second": 58}
